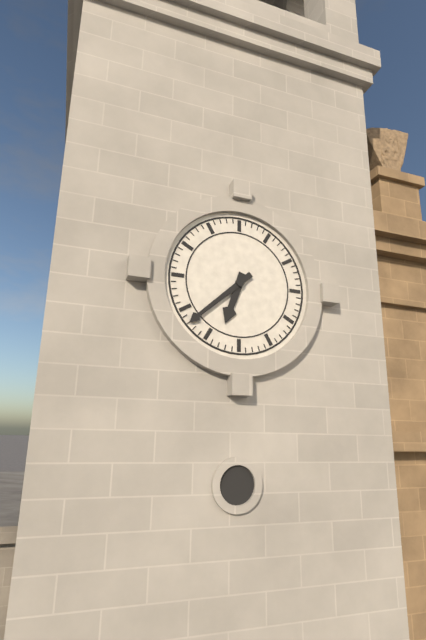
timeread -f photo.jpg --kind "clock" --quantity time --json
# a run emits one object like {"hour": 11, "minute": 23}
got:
{"hour": 6, "minute": 38}
